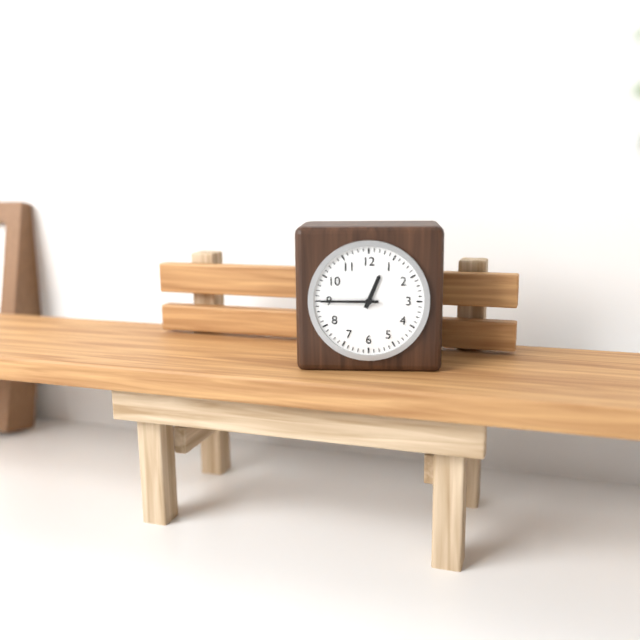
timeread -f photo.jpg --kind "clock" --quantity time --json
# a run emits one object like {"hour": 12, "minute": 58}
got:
{"hour": 12, "minute": 45}
